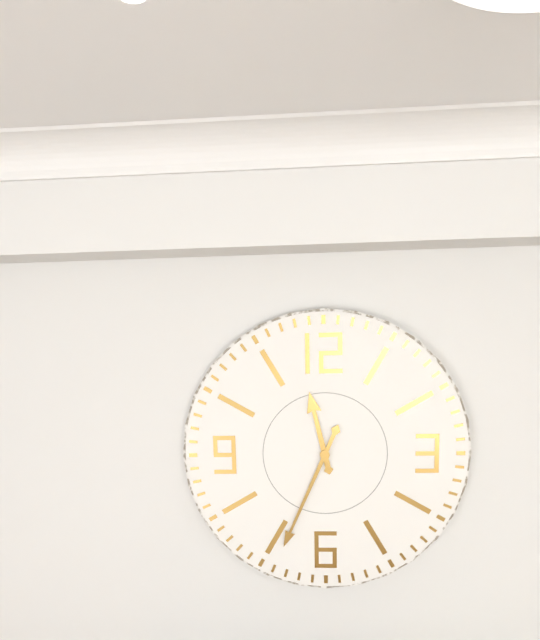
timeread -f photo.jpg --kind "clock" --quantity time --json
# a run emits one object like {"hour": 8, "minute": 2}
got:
{"hour": 11, "minute": 34}
